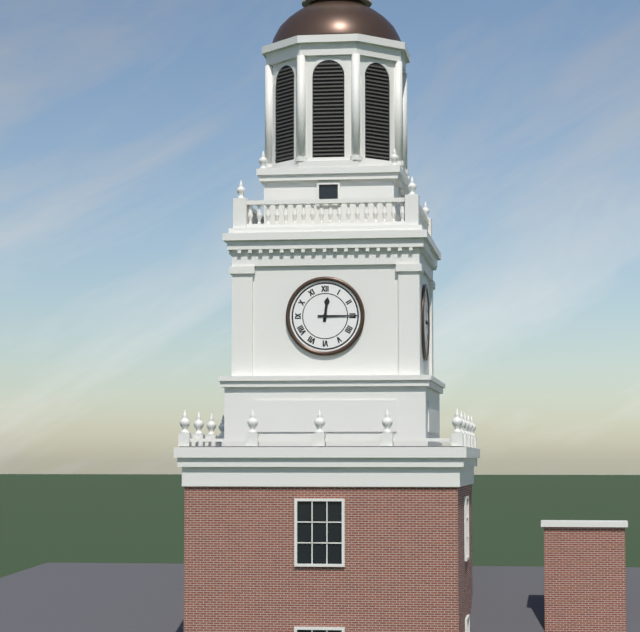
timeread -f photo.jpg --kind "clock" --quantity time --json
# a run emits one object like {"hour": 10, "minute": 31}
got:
{"hour": 12, "minute": 15}
